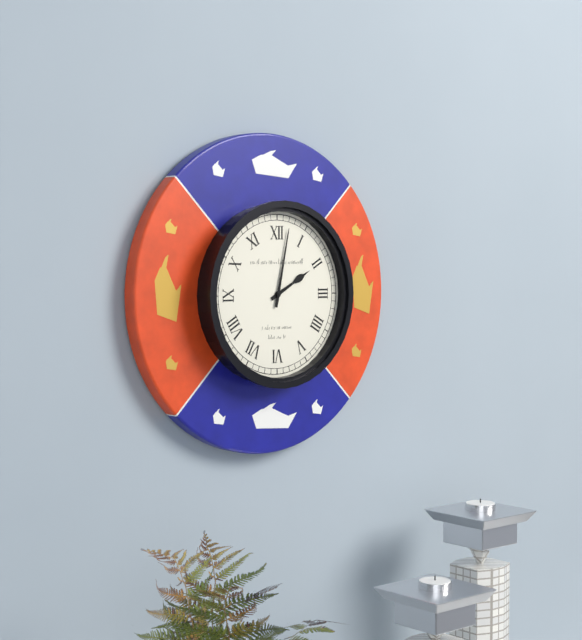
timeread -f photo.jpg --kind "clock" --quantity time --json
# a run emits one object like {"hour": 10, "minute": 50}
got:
{"hour": 2, "minute": 2}
